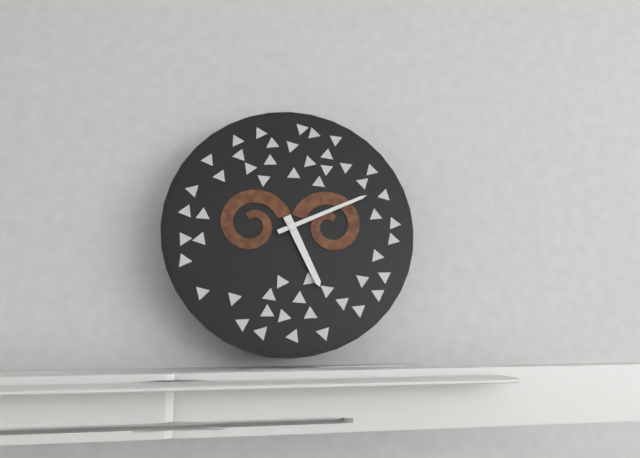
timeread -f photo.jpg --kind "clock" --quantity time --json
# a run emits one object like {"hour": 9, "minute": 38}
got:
{"hour": 5, "minute": 11}
